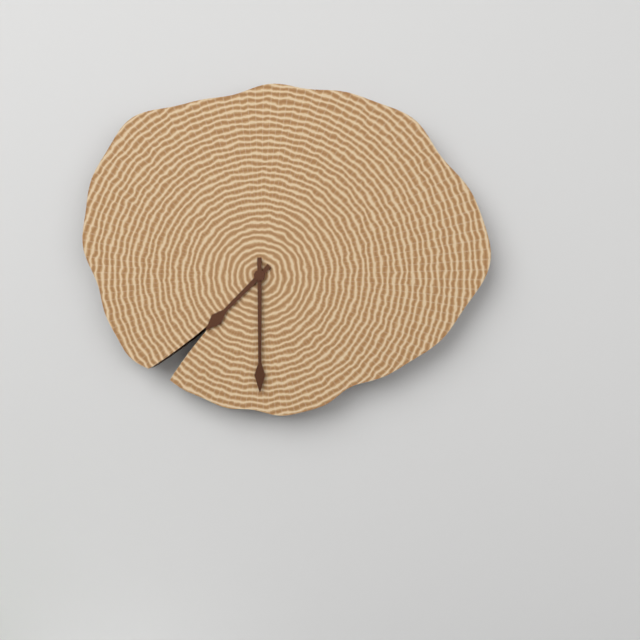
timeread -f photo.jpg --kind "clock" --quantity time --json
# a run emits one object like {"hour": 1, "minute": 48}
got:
{"hour": 7, "minute": 30}
